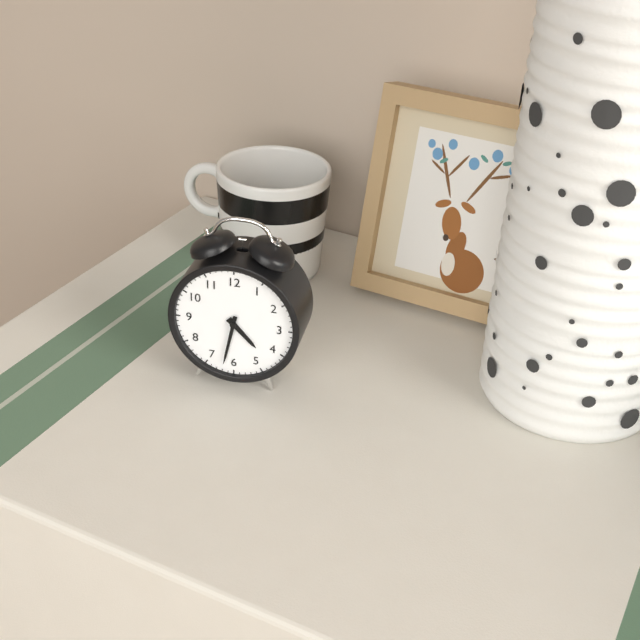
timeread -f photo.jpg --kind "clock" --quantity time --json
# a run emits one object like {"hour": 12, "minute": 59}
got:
{"hour": 4, "minute": 32}
